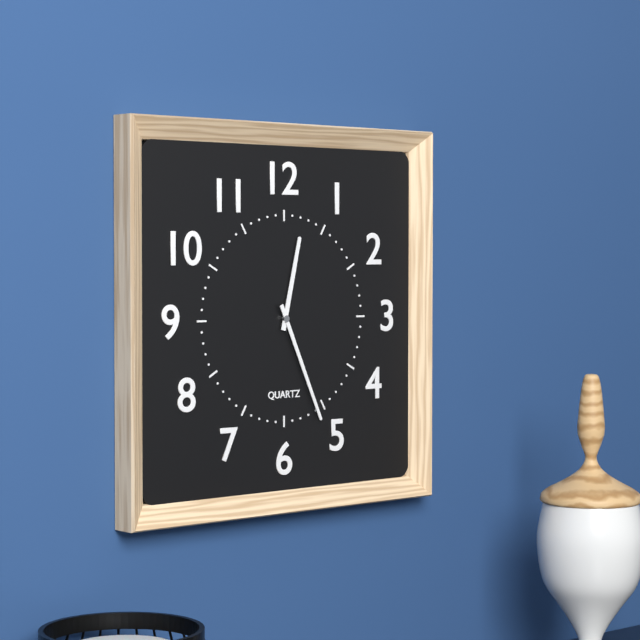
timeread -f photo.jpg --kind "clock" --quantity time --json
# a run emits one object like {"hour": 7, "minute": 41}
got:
{"hour": 12, "minute": 26}
